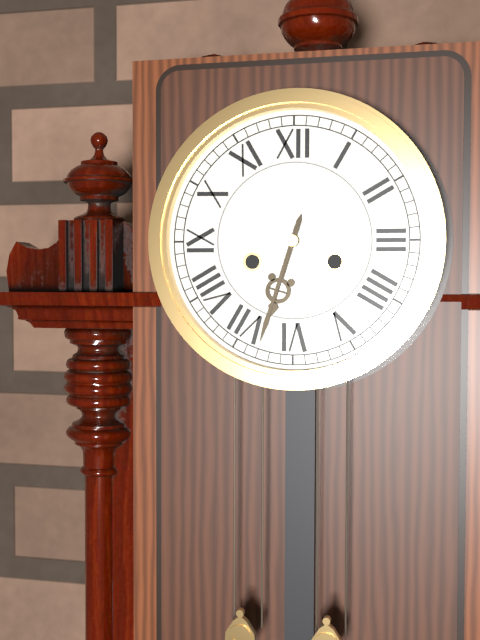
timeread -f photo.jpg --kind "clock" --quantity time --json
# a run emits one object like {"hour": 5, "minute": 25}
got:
{"hour": 6, "minute": 33}
